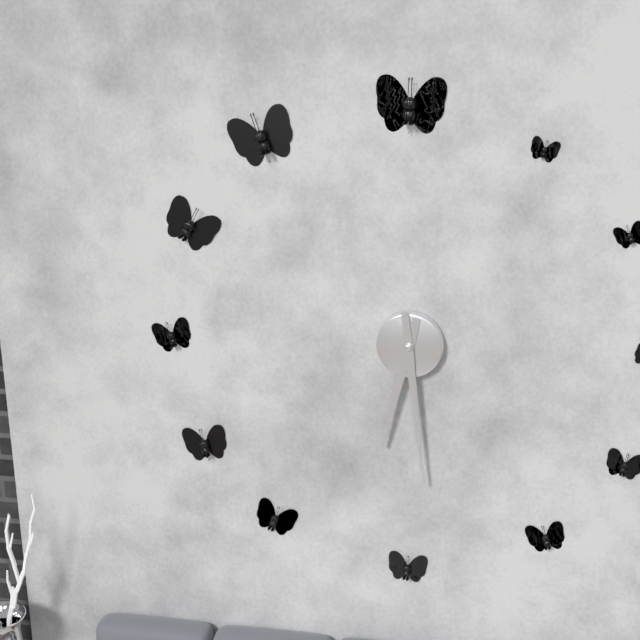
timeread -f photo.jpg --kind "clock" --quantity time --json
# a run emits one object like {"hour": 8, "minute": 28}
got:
{"hour": 6, "minute": 29}
